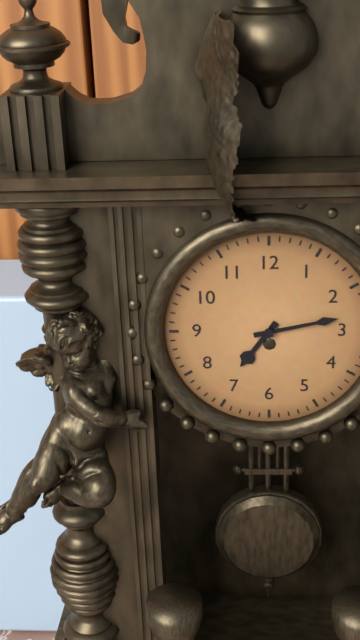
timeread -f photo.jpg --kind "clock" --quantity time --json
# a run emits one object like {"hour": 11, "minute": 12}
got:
{"hour": 7, "minute": 13}
